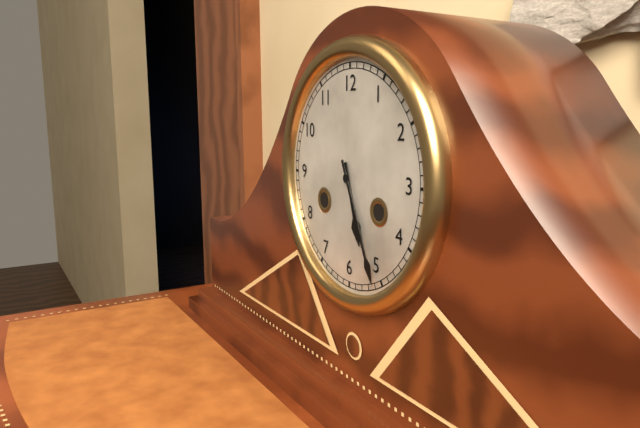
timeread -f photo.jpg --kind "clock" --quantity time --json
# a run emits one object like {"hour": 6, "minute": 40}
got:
{"hour": 5, "minute": 26}
